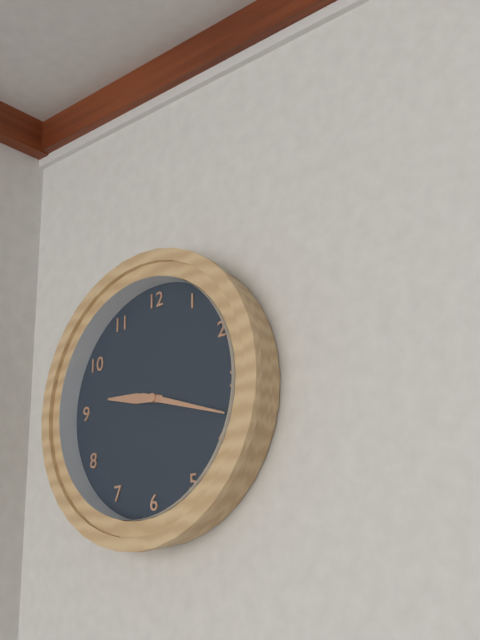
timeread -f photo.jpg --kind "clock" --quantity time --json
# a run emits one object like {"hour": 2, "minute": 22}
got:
{"hour": 9, "minute": 18}
